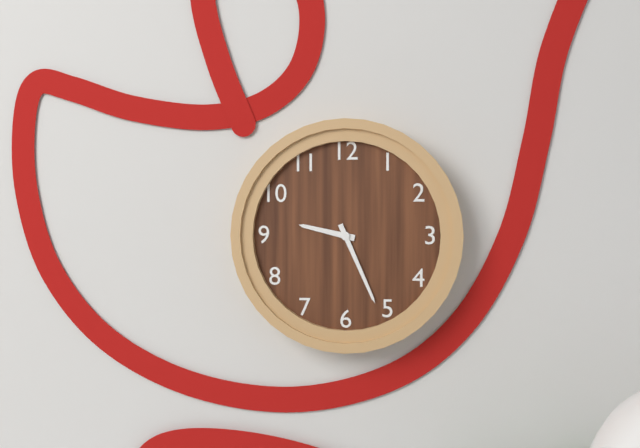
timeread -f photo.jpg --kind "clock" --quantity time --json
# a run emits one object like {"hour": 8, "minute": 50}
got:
{"hour": 9, "minute": 26}
